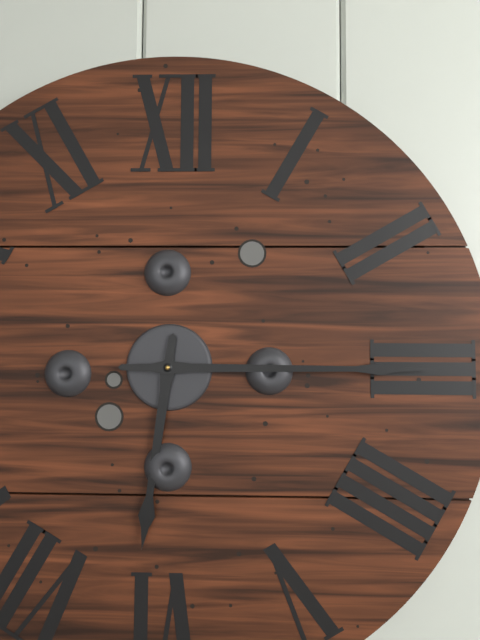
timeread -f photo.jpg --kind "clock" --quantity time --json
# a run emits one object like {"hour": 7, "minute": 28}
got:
{"hour": 6, "minute": 15}
